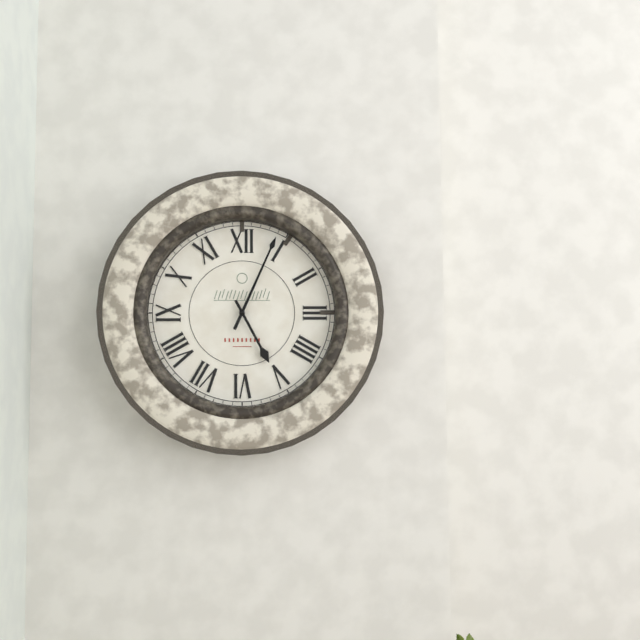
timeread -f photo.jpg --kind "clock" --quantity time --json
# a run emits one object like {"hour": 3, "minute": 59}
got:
{"hour": 5, "minute": 4}
